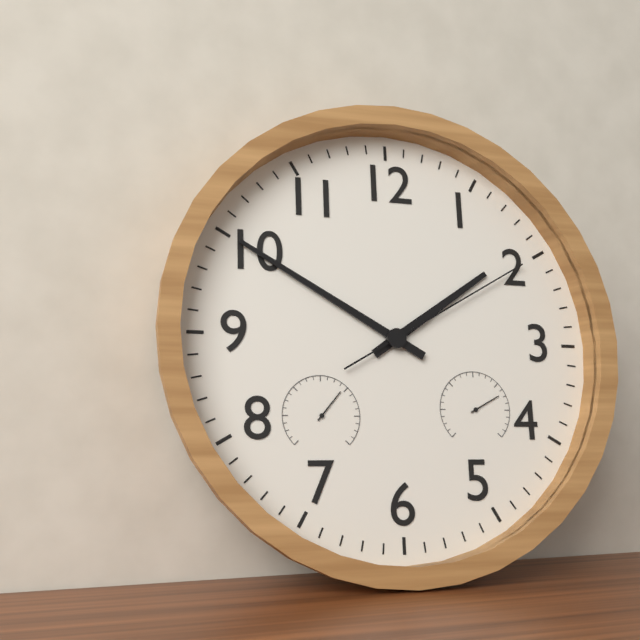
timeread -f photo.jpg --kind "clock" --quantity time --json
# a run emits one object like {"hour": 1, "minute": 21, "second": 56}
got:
{"hour": 1, "minute": 50, "second": 10}
